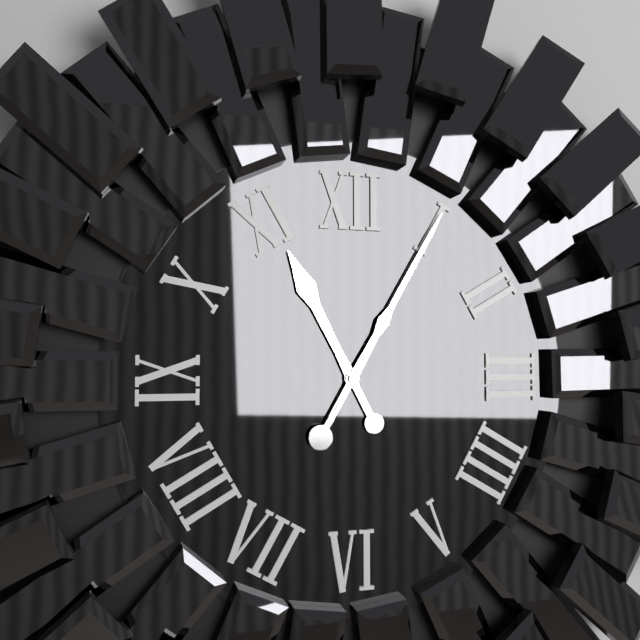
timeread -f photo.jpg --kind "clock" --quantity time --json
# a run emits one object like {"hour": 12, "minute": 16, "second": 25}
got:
{"hour": 11, "minute": 5, "second": 5}
